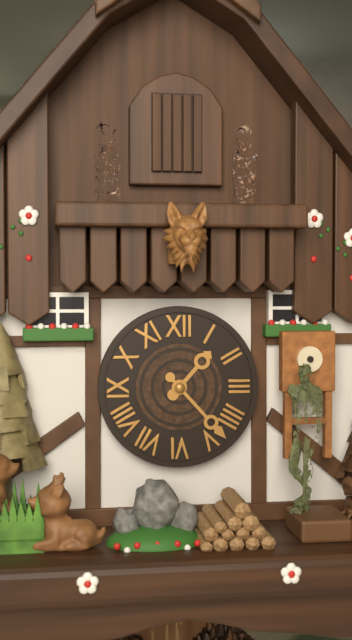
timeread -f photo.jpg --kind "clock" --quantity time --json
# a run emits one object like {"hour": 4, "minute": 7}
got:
{"hour": 1, "minute": 23}
